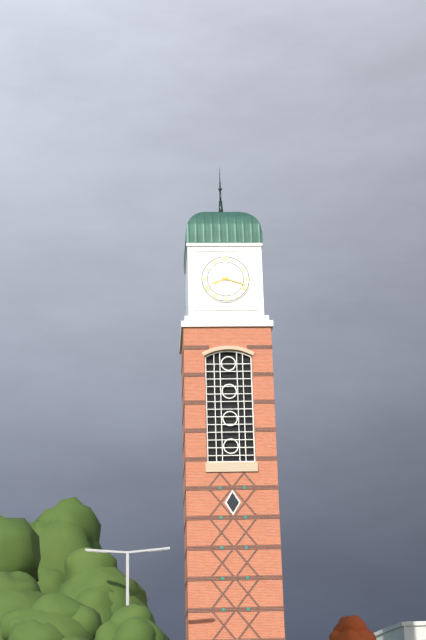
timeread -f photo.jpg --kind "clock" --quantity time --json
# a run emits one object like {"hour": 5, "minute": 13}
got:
{"hour": 8, "minute": 18}
